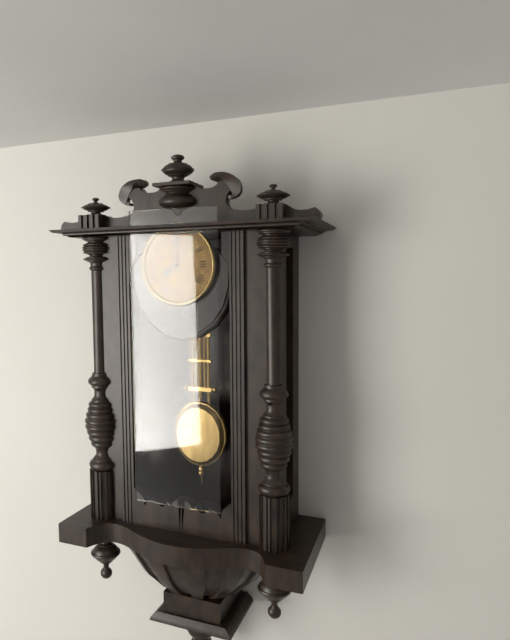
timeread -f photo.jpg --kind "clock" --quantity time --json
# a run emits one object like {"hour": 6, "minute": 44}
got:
{"hour": 8, "minute": 0}
